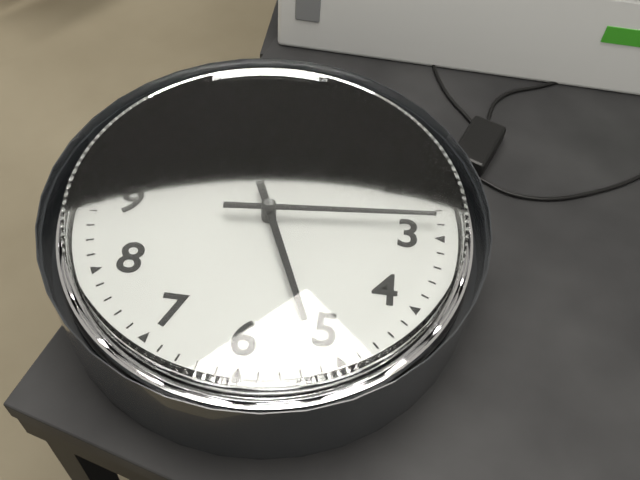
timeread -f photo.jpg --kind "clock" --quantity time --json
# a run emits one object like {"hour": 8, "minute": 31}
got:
{"hour": 5, "minute": 14}
